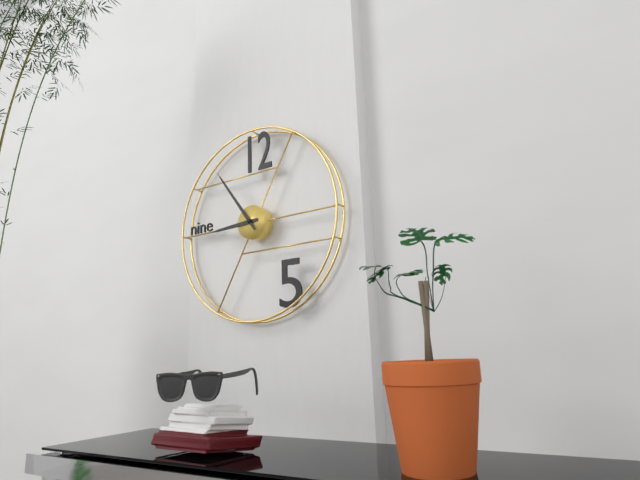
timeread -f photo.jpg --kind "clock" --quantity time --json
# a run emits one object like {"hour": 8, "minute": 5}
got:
{"hour": 8, "minute": 54}
